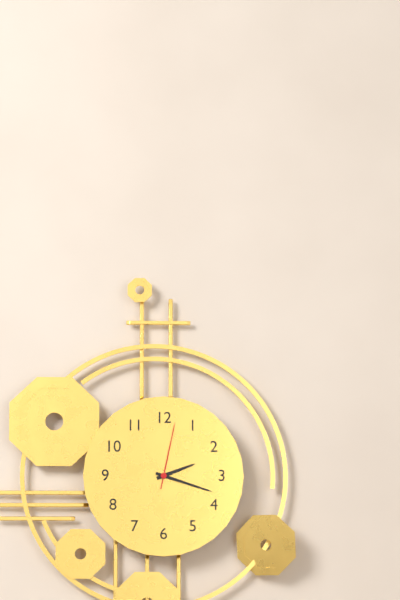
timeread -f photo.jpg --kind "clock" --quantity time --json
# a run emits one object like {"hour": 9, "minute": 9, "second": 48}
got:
{"hour": 2, "minute": 18, "second": 2}
